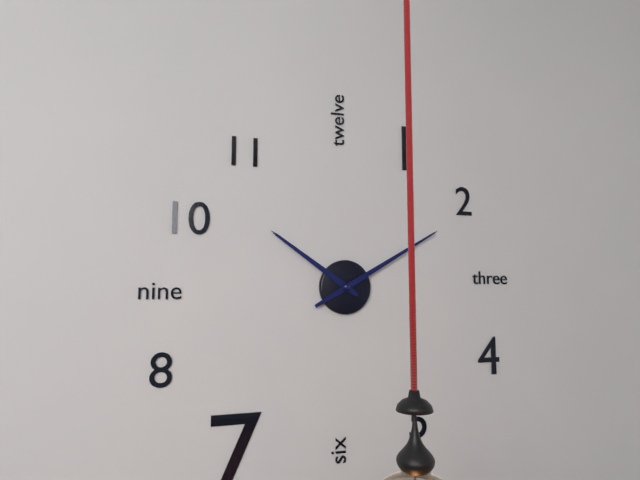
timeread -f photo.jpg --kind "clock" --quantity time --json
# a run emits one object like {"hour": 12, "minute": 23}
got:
{"hour": 10, "minute": 10}
